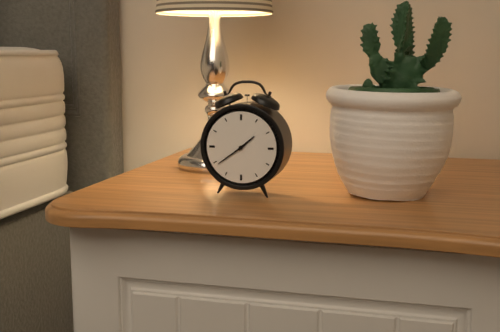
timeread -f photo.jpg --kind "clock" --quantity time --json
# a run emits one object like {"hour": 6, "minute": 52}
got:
{"hour": 1, "minute": 39}
